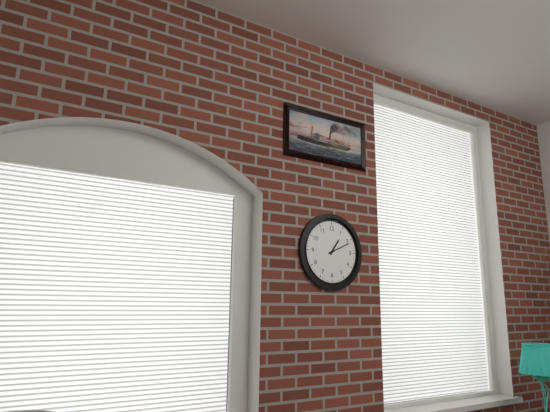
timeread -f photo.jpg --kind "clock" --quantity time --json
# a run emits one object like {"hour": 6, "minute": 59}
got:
{"hour": 1, "minute": 11}
